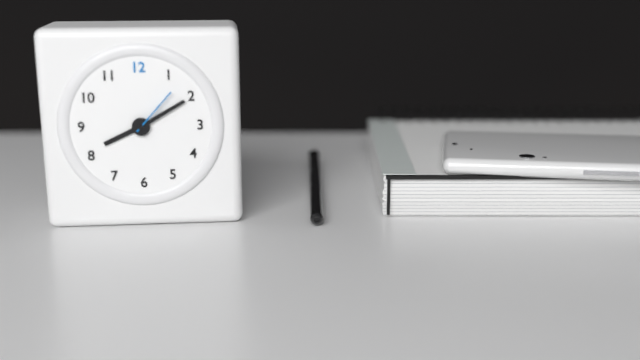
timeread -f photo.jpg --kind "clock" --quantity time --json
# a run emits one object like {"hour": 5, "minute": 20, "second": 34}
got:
{"hour": 8, "minute": 10, "second": 7}
